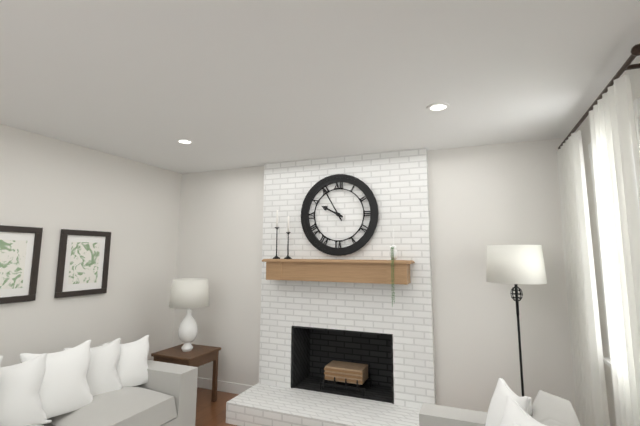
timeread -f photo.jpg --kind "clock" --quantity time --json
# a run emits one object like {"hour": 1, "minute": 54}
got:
{"hour": 9, "minute": 55}
